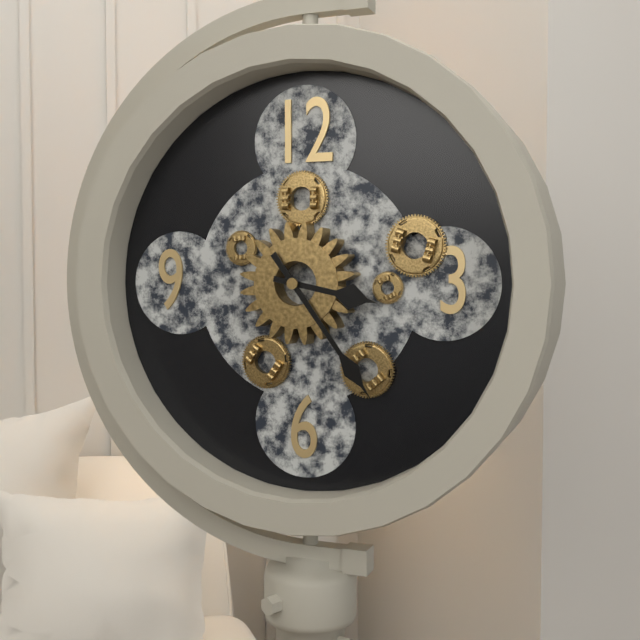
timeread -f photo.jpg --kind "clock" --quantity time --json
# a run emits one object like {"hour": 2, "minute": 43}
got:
{"hour": 3, "minute": 24}
